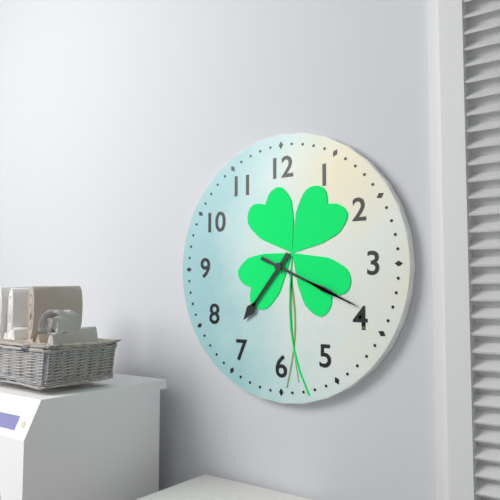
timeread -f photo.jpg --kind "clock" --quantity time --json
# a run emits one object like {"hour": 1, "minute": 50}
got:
{"hour": 7, "minute": 19}
